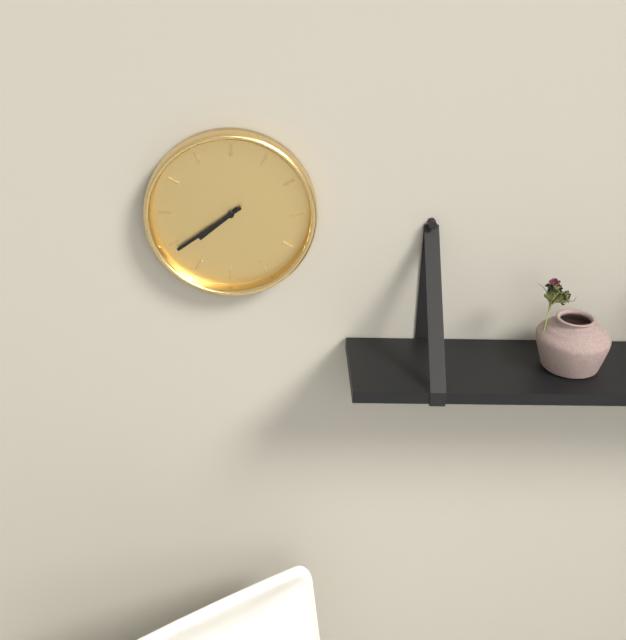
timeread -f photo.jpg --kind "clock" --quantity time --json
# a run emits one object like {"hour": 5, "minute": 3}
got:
{"hour": 7, "minute": 39}
